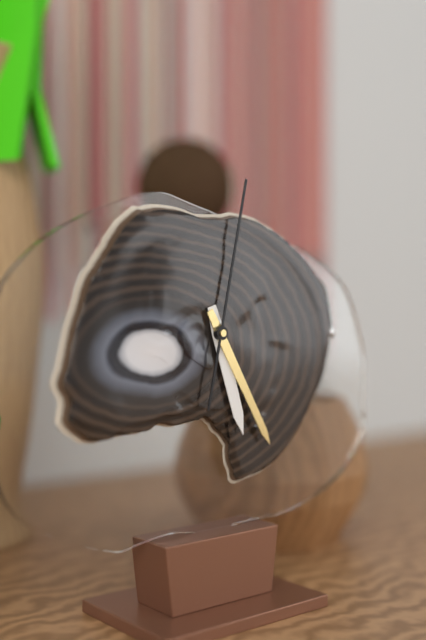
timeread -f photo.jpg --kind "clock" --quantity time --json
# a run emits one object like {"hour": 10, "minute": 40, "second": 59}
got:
{"hour": 5, "minute": 25, "second": 2}
